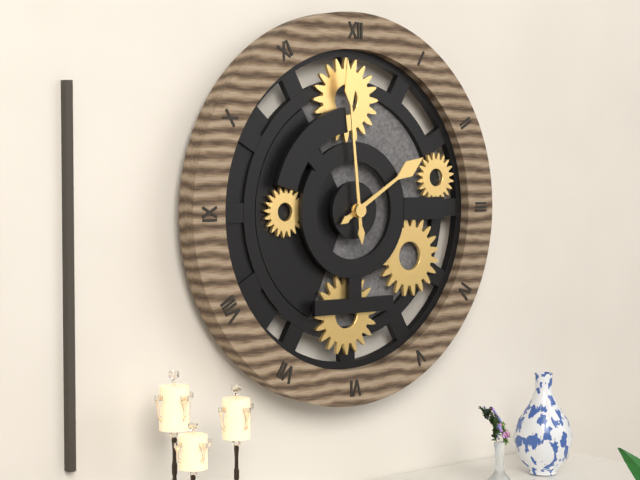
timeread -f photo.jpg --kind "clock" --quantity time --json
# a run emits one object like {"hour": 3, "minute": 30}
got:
{"hour": 1, "minute": 59}
